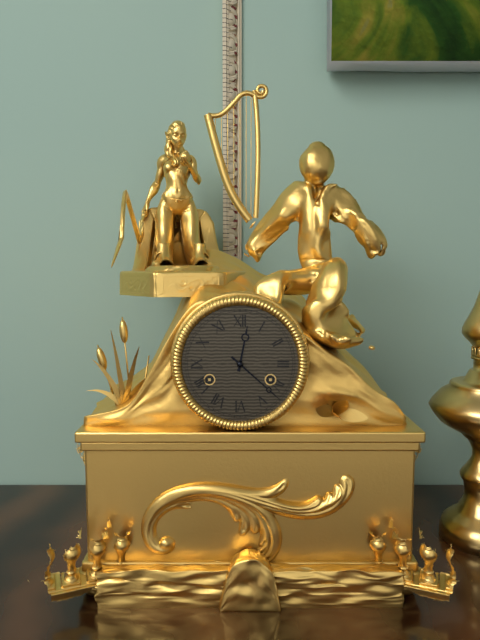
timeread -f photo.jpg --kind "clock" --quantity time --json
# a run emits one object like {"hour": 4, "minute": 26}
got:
{"hour": 12, "minute": 22}
